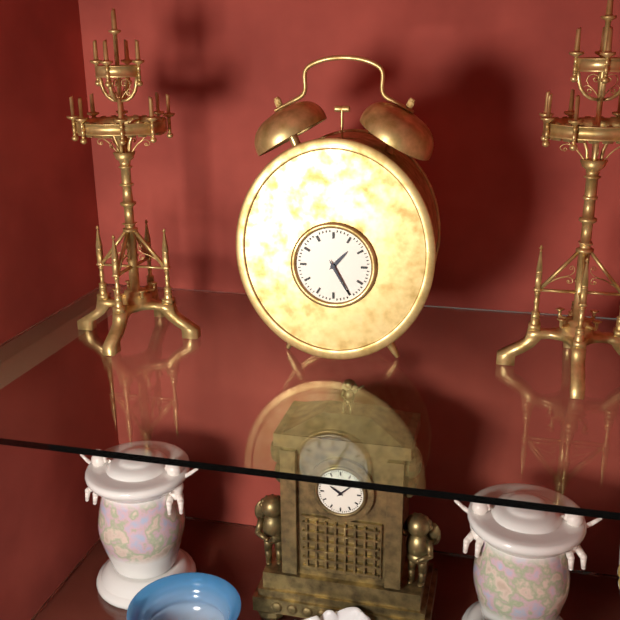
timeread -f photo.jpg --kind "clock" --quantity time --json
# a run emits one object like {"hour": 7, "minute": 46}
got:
{"hour": 1, "minute": 25}
